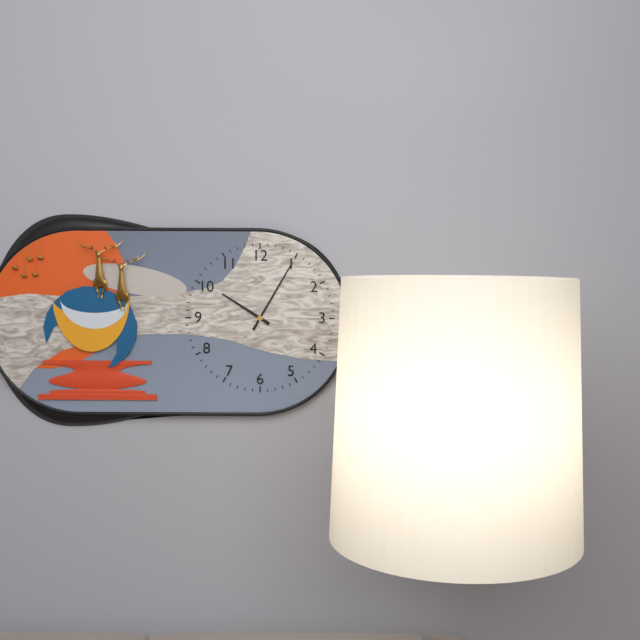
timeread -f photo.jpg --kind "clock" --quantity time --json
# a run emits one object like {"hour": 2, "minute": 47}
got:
{"hour": 10, "minute": 5}
